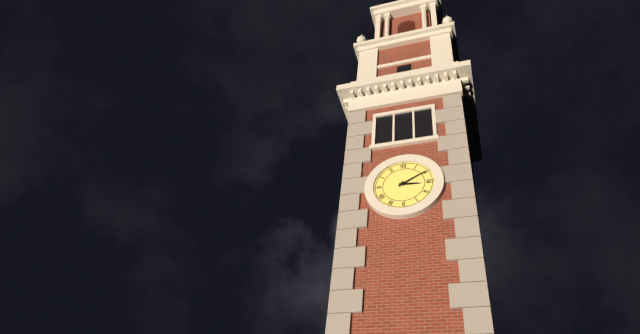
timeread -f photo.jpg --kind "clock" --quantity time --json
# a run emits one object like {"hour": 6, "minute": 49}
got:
{"hour": 3, "minute": 10}
